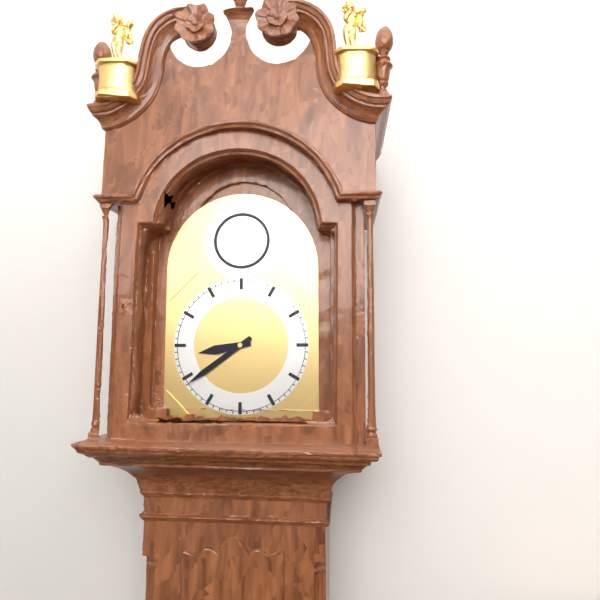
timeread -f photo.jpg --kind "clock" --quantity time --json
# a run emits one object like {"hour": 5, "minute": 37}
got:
{"hour": 8, "minute": 39}
